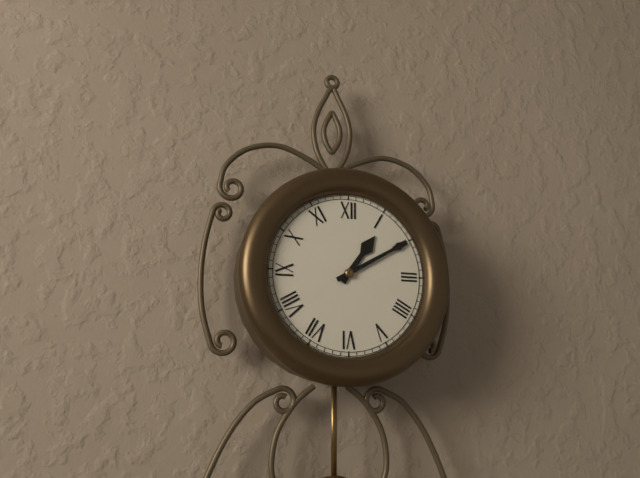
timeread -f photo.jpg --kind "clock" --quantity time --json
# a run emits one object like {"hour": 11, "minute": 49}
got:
{"hour": 1, "minute": 10}
